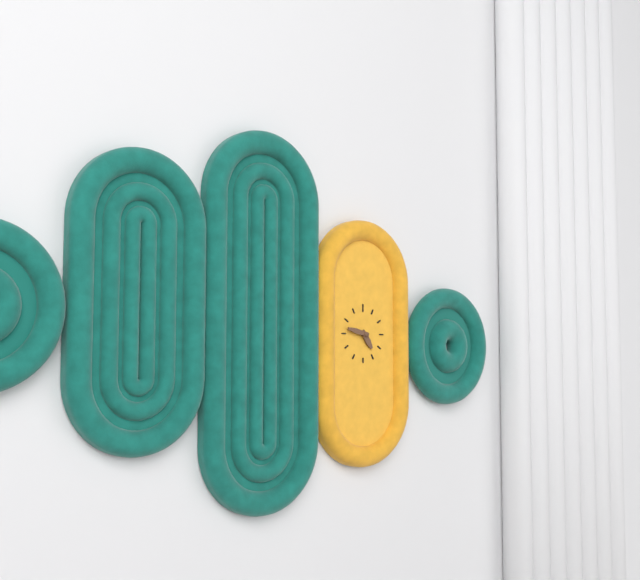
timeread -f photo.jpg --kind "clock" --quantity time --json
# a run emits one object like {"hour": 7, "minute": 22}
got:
{"hour": 4, "minute": 47}
